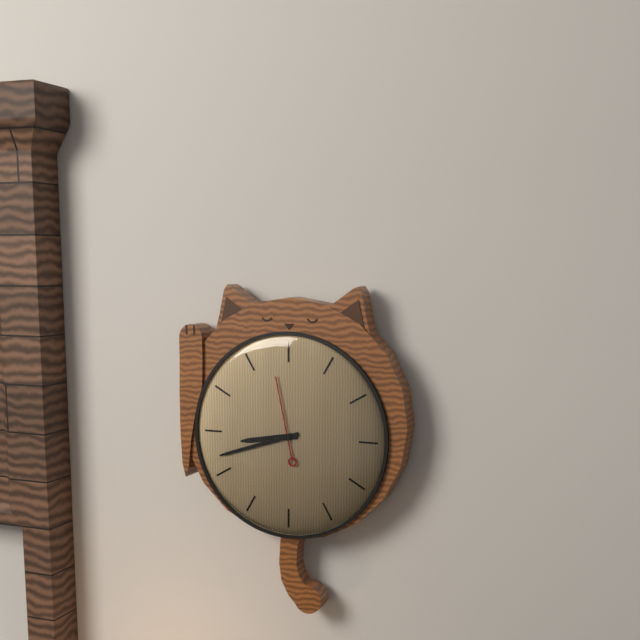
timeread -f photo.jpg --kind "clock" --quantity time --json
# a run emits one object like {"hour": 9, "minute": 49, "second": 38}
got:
{"hour": 8, "minute": 42, "second": 58}
